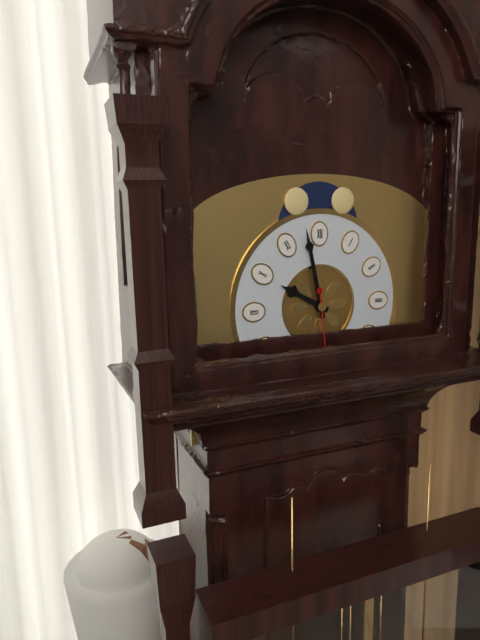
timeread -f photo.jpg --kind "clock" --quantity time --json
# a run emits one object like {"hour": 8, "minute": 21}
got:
{"hour": 9, "minute": 58}
